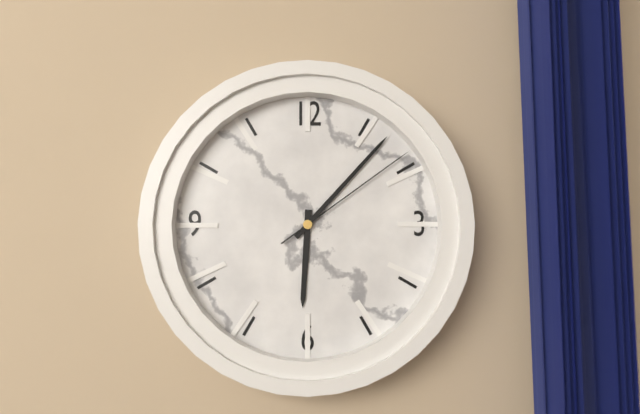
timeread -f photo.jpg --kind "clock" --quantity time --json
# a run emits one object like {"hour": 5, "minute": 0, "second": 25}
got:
{"hour": 6, "minute": 7, "second": 9}
